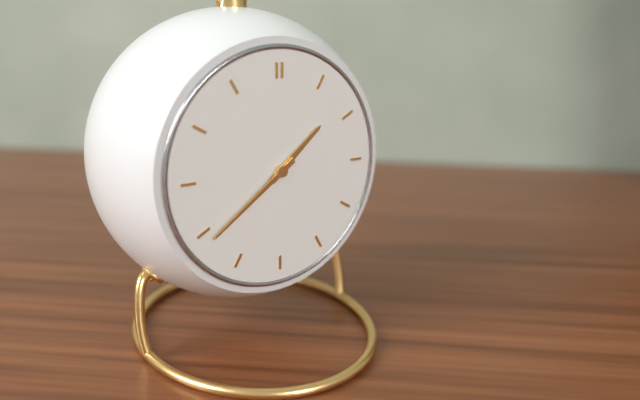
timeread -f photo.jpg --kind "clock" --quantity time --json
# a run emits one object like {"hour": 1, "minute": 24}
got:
{"hour": 1, "minute": 39}
